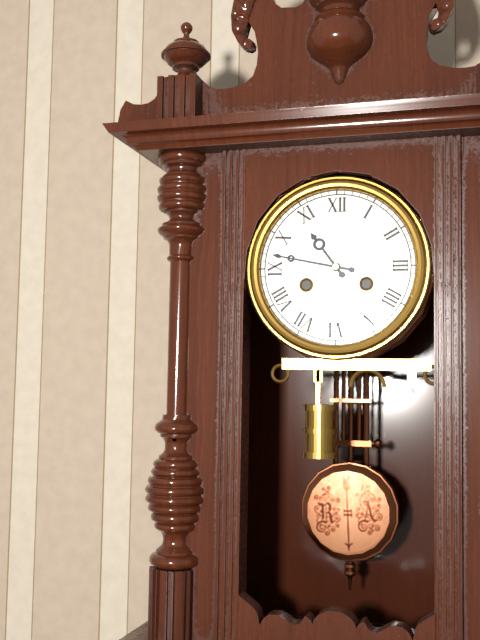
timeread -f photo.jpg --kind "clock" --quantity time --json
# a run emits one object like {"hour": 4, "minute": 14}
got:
{"hour": 10, "minute": 47}
